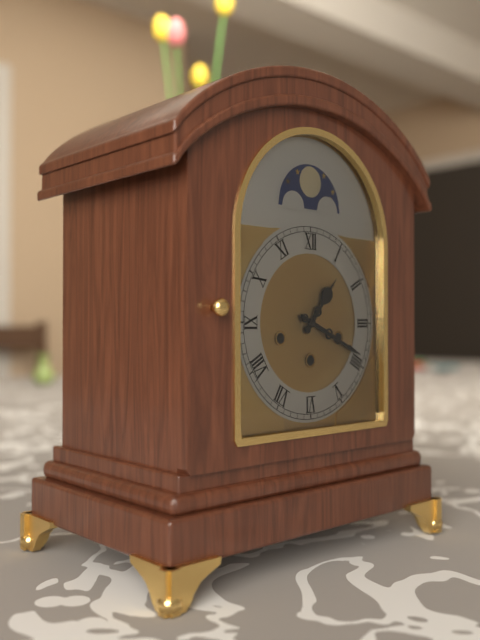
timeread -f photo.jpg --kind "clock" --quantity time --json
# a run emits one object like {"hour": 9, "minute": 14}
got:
{"hour": 1, "minute": 19}
